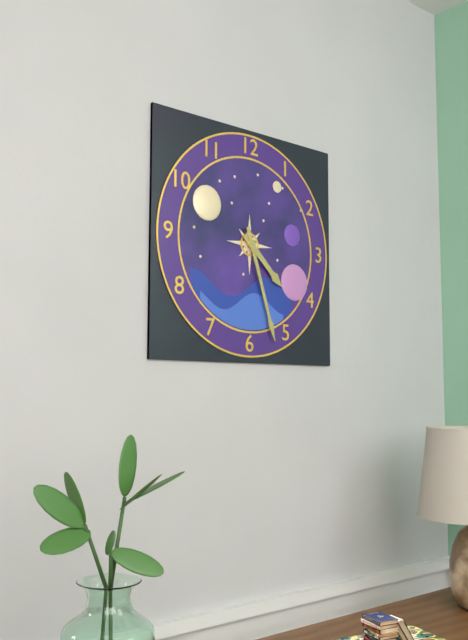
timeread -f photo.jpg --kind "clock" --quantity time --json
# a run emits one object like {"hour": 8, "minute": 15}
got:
{"hour": 4, "minute": 27}
